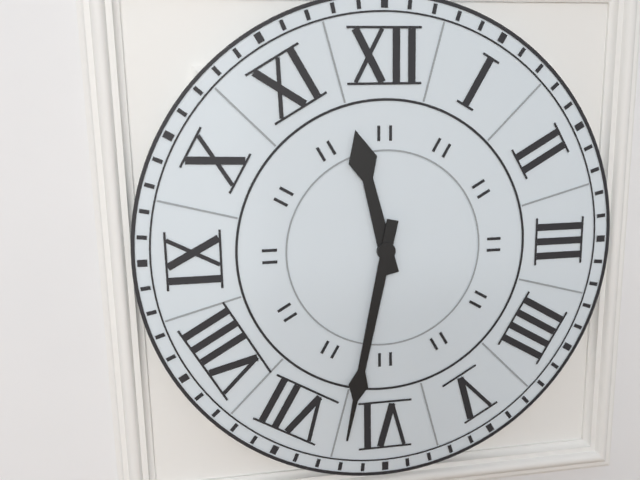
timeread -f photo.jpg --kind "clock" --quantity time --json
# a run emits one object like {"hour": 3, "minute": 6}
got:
{"hour": 11, "minute": 32}
